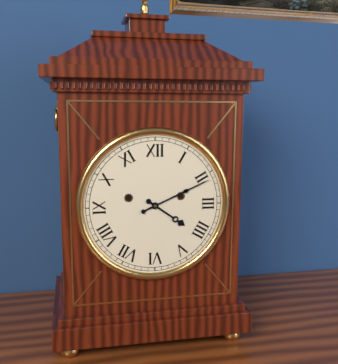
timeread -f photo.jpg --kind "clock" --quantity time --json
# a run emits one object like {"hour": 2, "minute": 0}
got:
{"hour": 4, "minute": 11}
